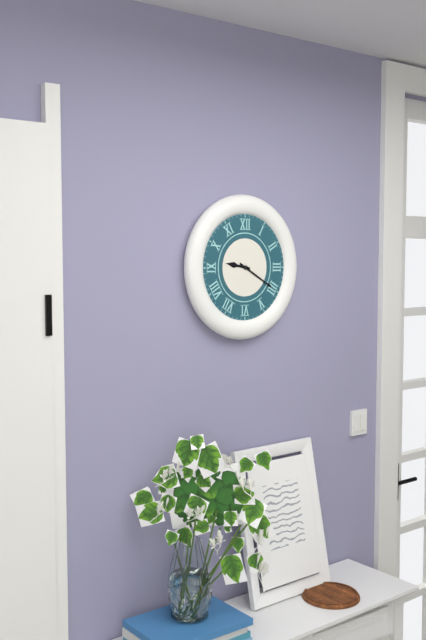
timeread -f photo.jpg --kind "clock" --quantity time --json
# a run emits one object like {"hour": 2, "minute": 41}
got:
{"hour": 9, "minute": 20}
